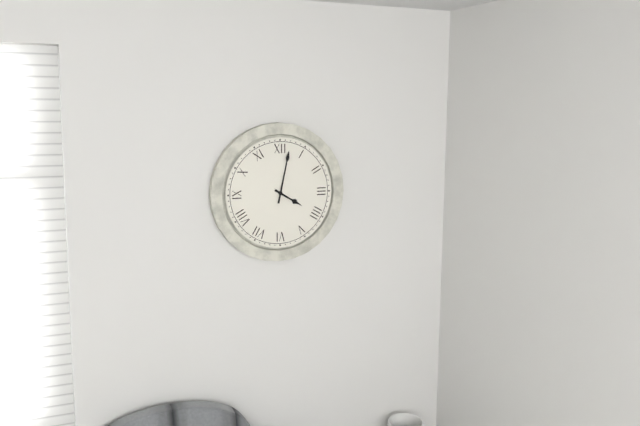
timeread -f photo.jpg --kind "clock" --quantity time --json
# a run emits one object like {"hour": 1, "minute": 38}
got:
{"hour": 4, "minute": 2}
